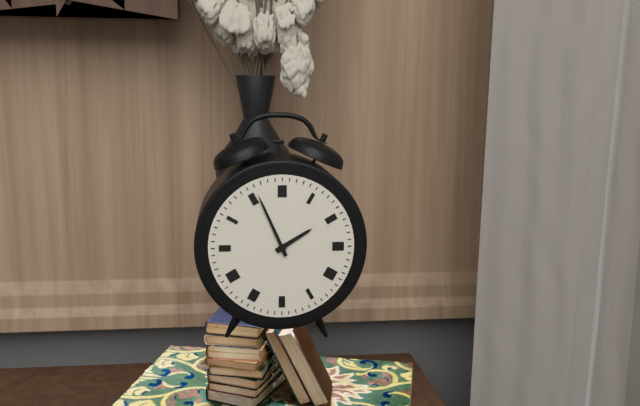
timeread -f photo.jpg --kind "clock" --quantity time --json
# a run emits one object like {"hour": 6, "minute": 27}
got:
{"hour": 1, "minute": 56}
